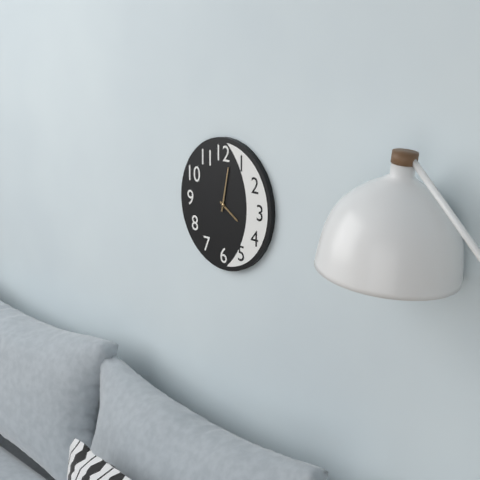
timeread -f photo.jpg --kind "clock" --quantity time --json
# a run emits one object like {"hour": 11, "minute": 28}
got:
{"hour": 4, "minute": 2}
